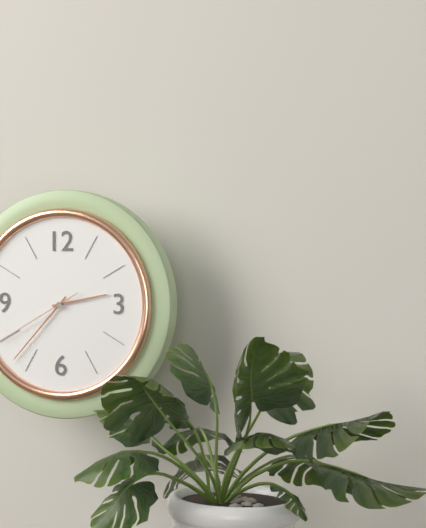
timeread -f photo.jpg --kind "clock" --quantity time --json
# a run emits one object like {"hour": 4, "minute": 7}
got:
{"hour": 2, "minute": 37}
